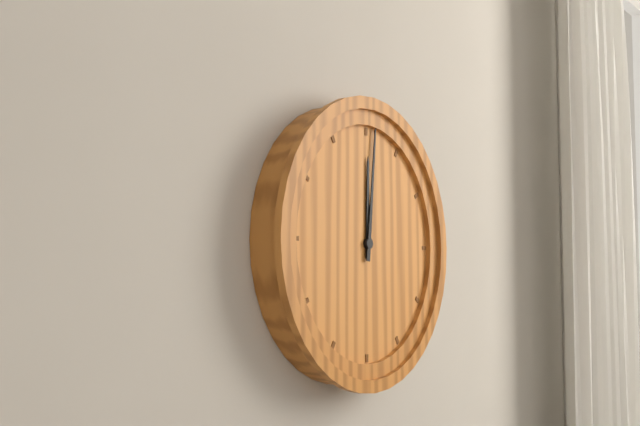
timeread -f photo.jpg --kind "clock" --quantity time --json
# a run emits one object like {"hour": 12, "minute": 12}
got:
{"hour": 12, "minute": 1}
